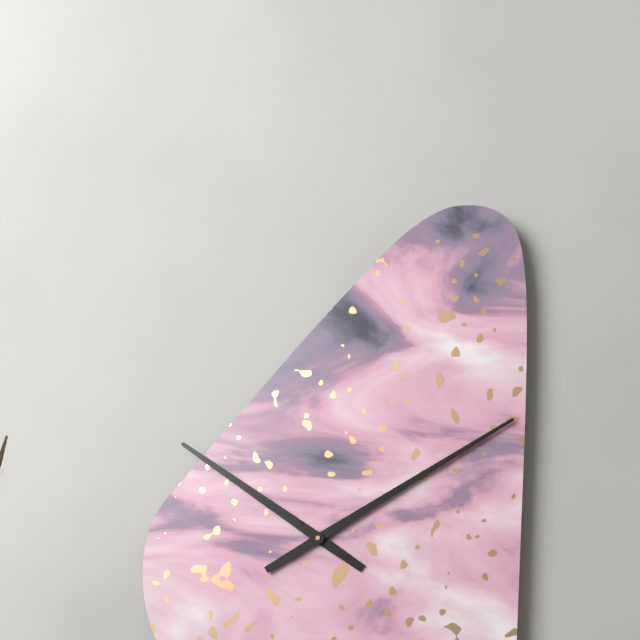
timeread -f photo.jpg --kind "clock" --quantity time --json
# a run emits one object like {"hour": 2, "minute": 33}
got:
{"hour": 10, "minute": 10}
